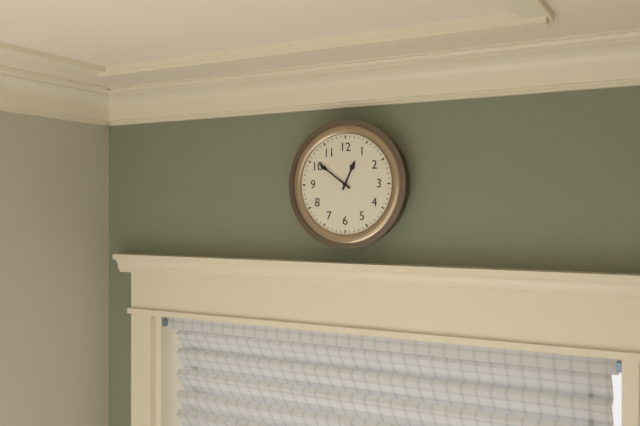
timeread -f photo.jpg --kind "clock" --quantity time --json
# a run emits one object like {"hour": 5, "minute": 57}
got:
{"hour": 12, "minute": 51}
